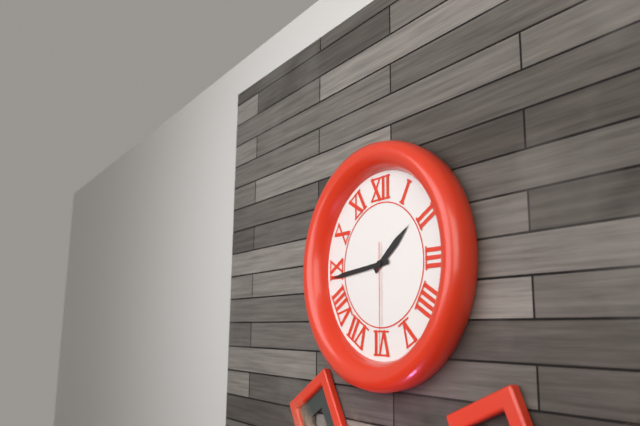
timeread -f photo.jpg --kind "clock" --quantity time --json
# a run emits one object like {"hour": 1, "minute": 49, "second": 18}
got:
{"hour": 1, "minute": 44, "second": 30}
